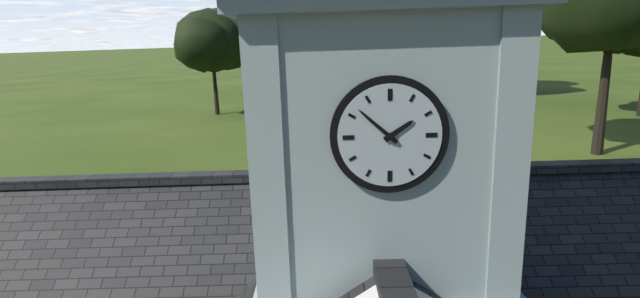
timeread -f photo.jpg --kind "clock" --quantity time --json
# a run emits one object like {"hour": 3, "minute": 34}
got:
{"hour": 1, "minute": 52}
